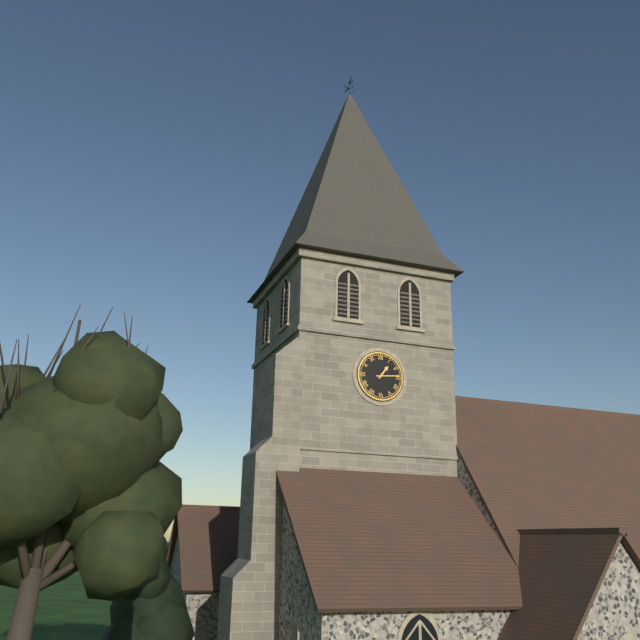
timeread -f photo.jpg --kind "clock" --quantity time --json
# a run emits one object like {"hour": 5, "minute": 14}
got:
{"hour": 1, "minute": 14}
